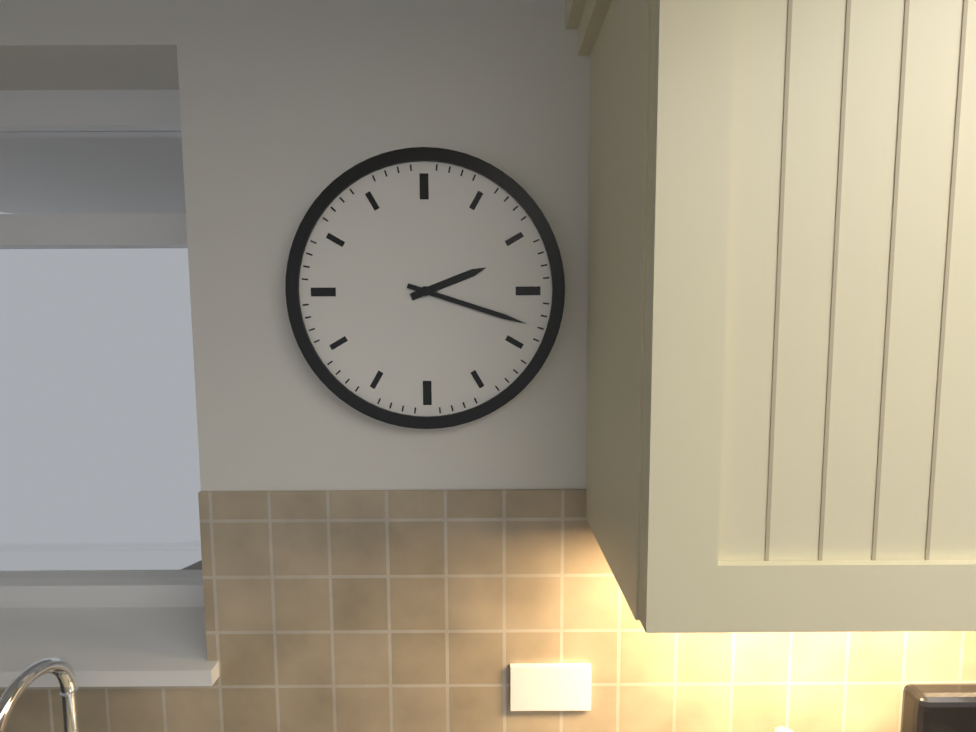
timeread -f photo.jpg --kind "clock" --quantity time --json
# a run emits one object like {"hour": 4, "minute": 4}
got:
{"hour": 2, "minute": 18}
